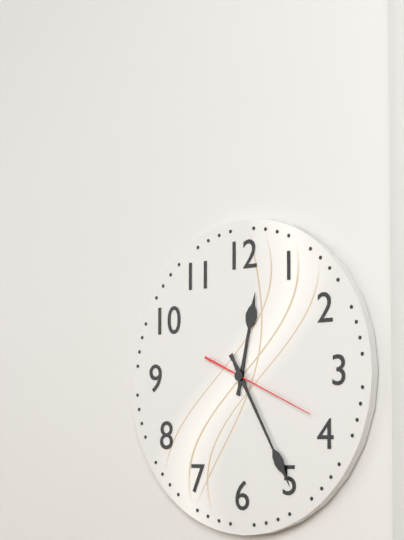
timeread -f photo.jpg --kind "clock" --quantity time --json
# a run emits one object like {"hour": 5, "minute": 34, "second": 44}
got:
{"hour": 12, "minute": 25, "second": 19}
